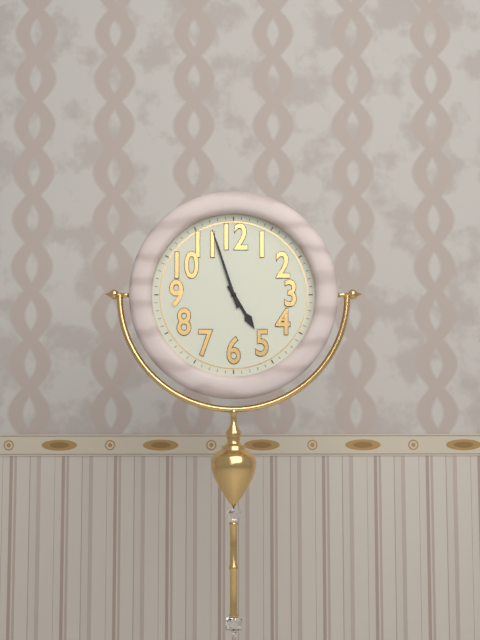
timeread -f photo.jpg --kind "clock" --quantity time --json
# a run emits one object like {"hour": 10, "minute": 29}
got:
{"hour": 4, "minute": 57}
